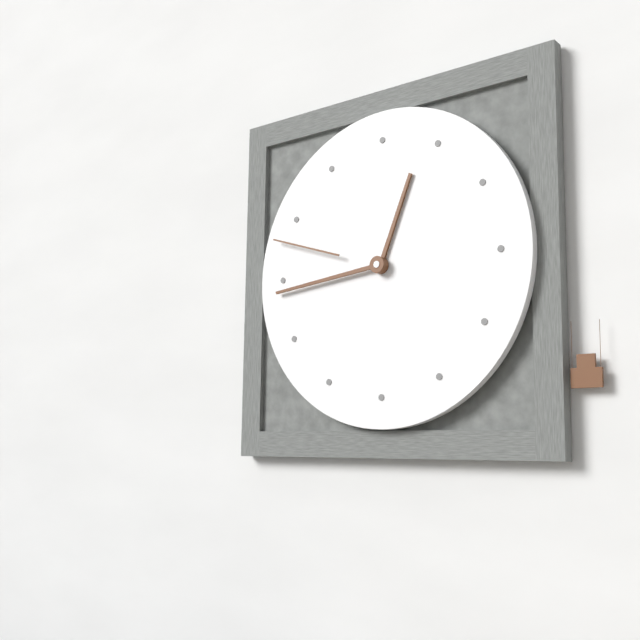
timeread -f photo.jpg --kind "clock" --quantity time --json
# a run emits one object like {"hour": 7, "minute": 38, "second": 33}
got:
{"hour": 12, "minute": 44, "second": 48}
